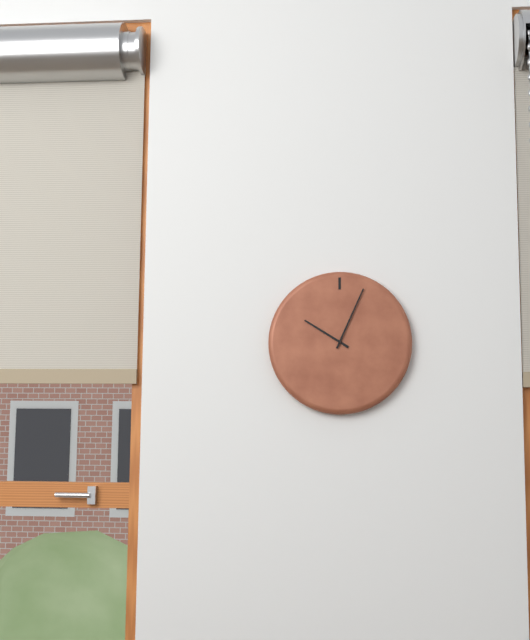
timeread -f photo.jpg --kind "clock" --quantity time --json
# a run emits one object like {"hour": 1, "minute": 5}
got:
{"hour": 10, "minute": 4}
